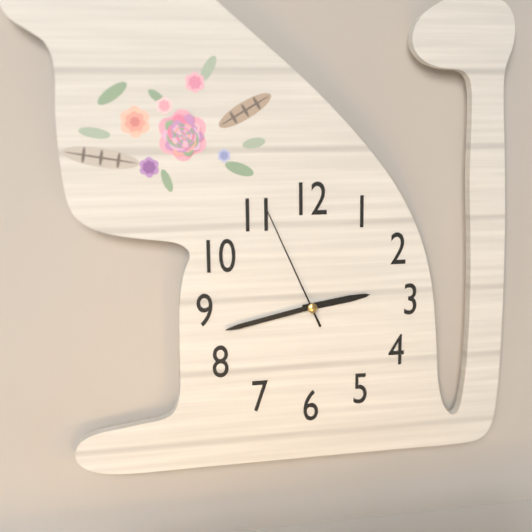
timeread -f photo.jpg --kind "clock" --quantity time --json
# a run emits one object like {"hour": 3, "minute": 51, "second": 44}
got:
{"hour": 2, "minute": 43, "second": 56}
